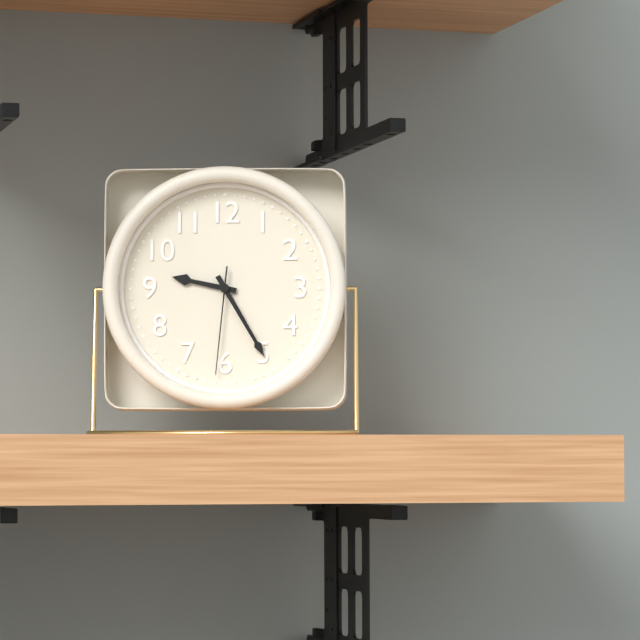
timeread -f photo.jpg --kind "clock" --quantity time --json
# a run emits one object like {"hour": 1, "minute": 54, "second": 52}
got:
{"hour": 9, "minute": 25, "second": 31}
